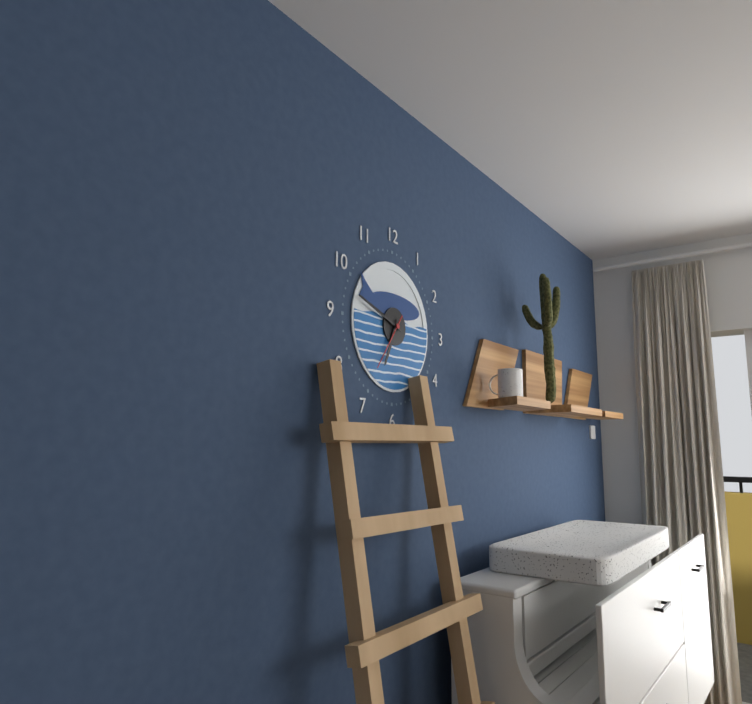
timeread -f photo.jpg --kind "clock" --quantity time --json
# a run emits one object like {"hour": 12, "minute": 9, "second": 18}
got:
{"hour": 6, "minute": 48, "second": 36}
